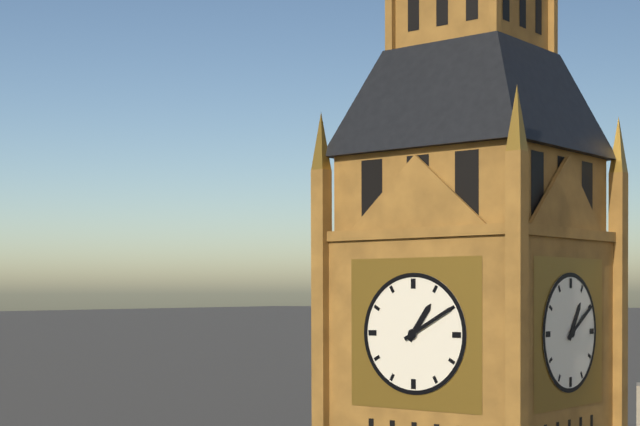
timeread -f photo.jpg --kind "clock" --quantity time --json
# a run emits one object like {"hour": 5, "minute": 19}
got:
{"hour": 1, "minute": 10}
